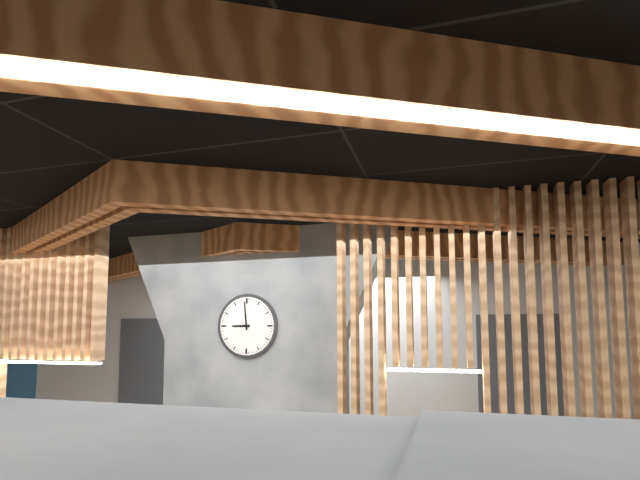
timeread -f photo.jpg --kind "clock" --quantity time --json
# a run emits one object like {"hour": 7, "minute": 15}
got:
{"hour": 8, "minute": 59}
